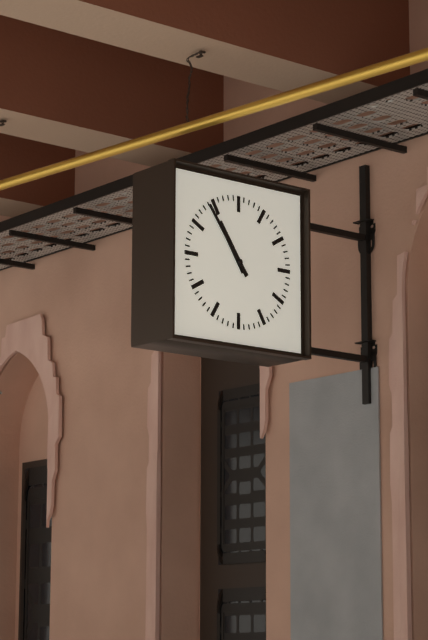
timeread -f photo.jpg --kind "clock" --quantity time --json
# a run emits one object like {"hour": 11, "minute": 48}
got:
{"hour": 10, "minute": 54}
